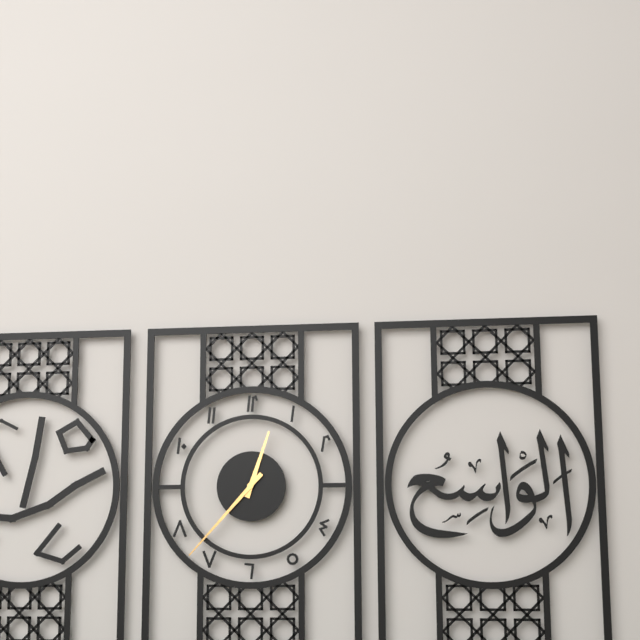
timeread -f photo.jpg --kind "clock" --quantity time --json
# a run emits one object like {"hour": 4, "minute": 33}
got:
{"hour": 12, "minute": 37}
